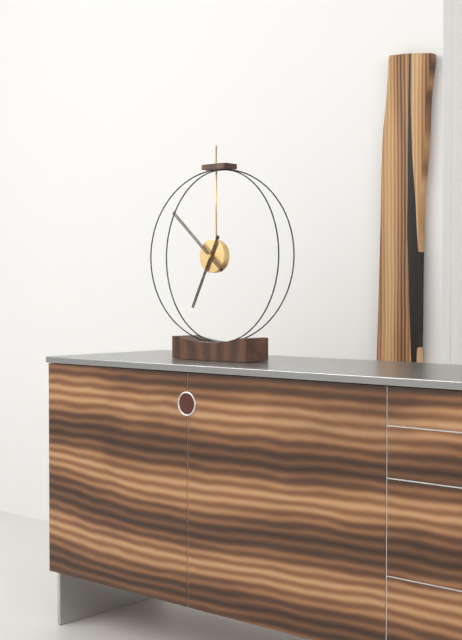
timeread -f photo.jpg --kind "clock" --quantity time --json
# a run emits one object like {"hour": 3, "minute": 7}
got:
{"hour": 6, "minute": 52}
